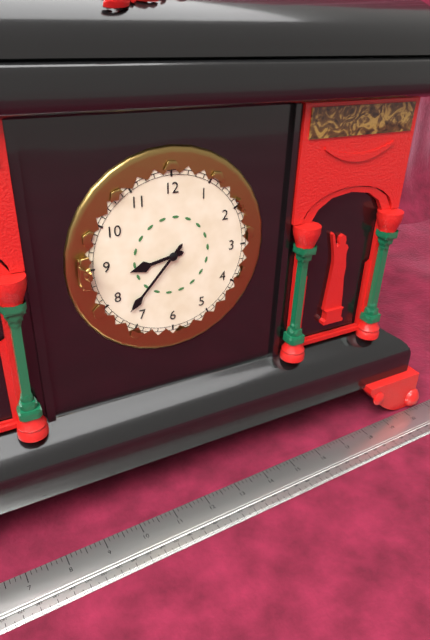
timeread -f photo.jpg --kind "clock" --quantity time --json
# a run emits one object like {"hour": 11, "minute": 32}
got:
{"hour": 8, "minute": 37}
